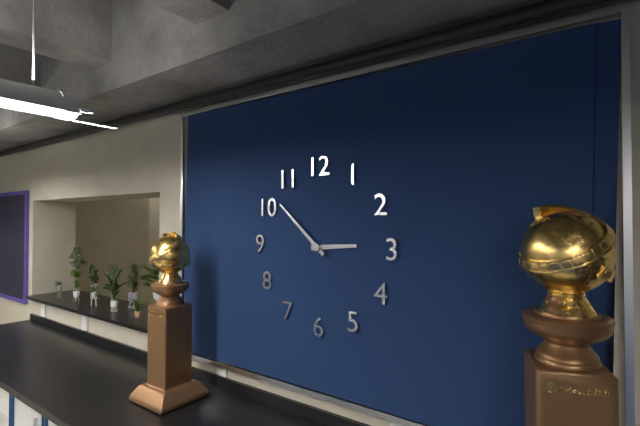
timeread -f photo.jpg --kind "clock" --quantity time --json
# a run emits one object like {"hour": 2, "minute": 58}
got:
{"hour": 2, "minute": 52}
